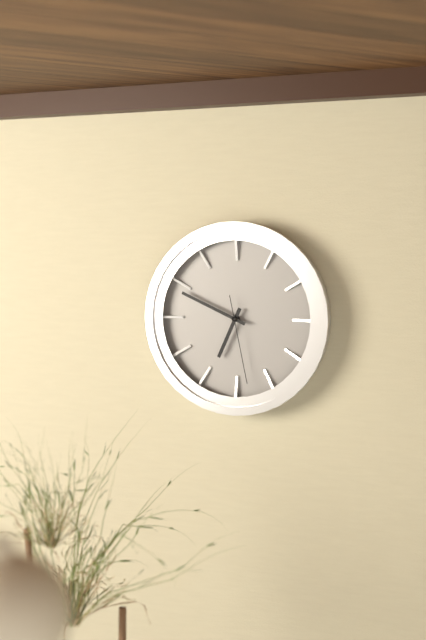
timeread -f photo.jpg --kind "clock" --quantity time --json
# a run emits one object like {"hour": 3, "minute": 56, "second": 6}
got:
{"hour": 6, "minute": 49, "second": 28}
